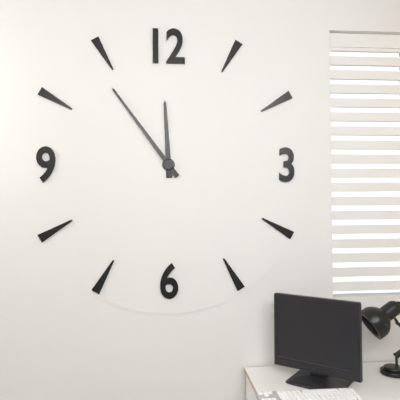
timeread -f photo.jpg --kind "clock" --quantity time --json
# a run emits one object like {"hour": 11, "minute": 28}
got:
{"hour": 11, "minute": 54}
